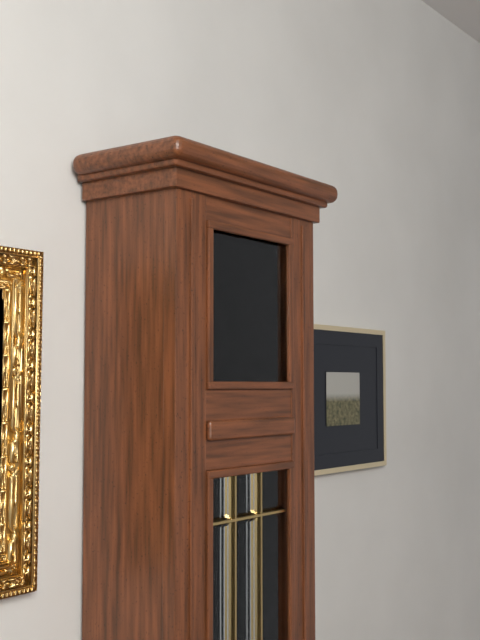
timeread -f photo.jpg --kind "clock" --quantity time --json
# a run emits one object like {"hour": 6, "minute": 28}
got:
{"hour": 4, "minute": 12}
